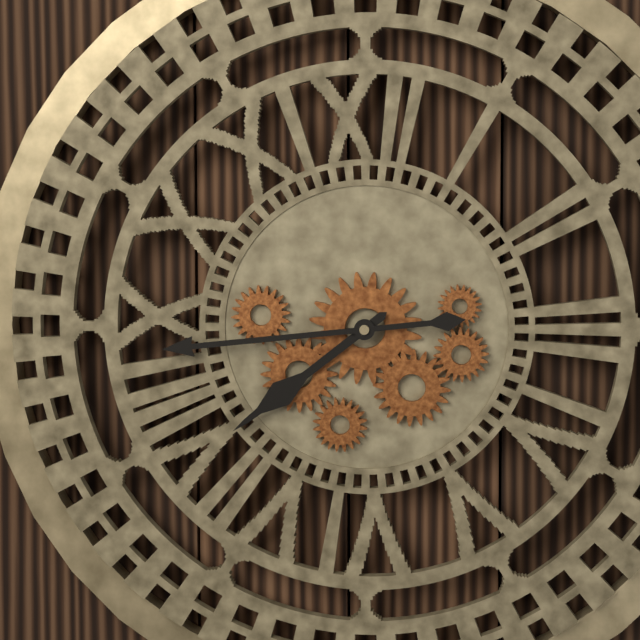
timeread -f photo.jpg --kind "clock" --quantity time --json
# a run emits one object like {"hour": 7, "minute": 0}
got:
{"hour": 7, "minute": 44}
